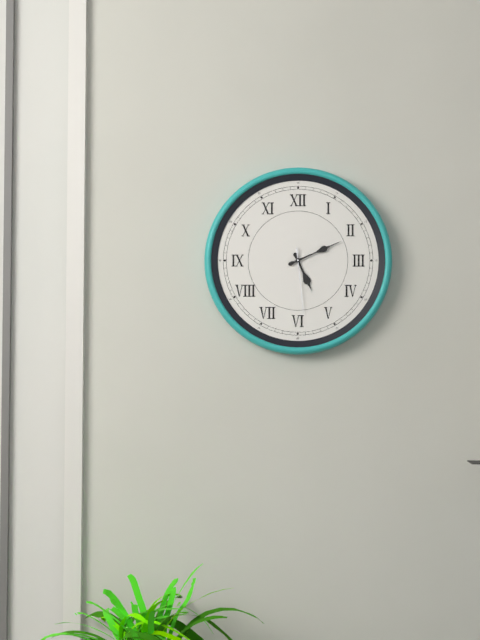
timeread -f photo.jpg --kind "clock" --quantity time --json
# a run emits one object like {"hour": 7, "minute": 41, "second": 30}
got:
{"hour": 5, "minute": 11, "second": 29}
